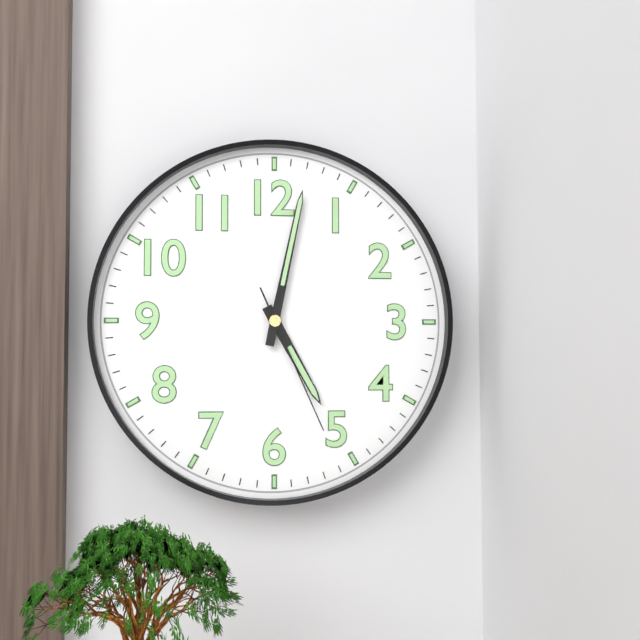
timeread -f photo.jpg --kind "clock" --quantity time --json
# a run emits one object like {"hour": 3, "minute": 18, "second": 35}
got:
{"hour": 5, "minute": 2, "second": 26}
